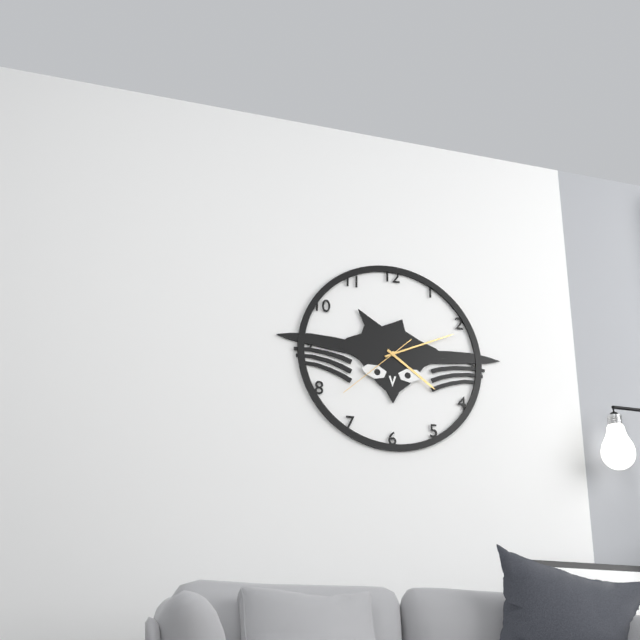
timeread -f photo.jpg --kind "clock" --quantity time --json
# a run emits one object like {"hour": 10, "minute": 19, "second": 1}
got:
{"hour": 4, "minute": 11, "second": 38}
